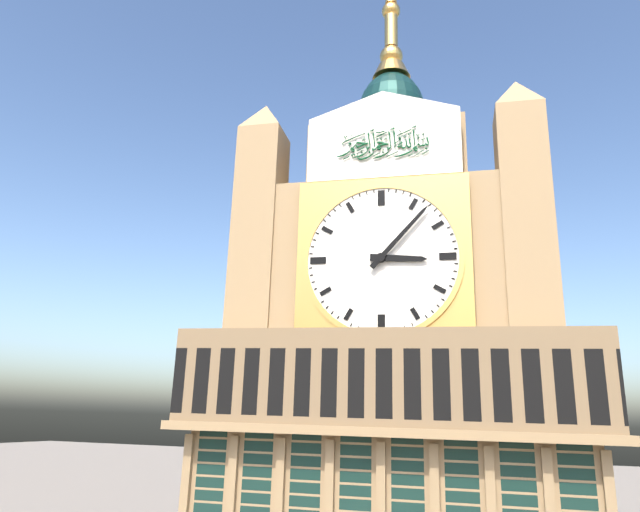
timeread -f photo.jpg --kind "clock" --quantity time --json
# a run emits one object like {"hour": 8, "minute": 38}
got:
{"hour": 3, "minute": 7}
